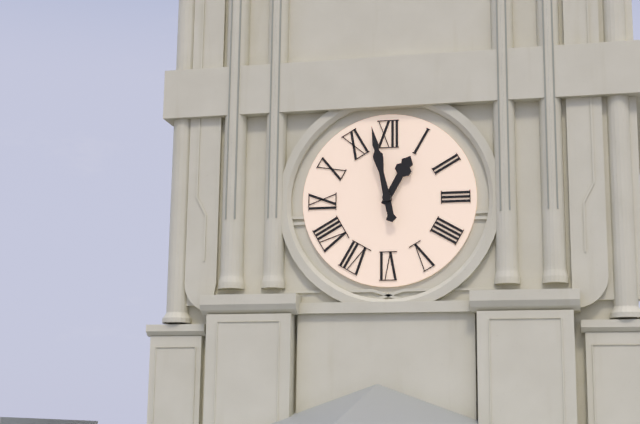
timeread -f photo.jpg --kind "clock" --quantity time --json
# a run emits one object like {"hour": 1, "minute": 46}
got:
{"hour": 12, "minute": 58}
